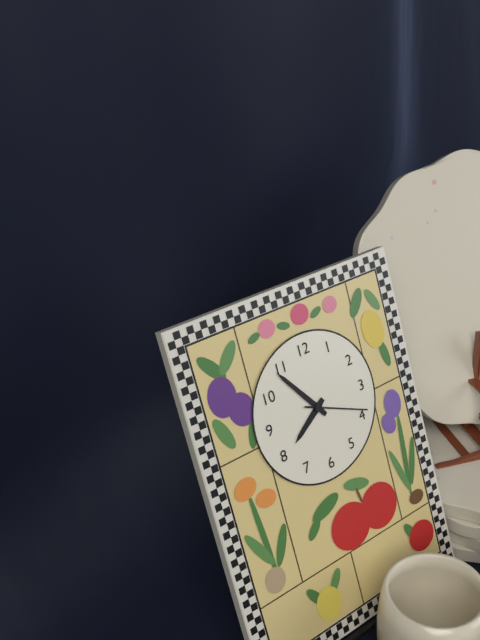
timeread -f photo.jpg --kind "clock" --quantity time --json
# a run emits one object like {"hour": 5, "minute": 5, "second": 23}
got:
{"hour": 7, "minute": 54, "second": 19}
